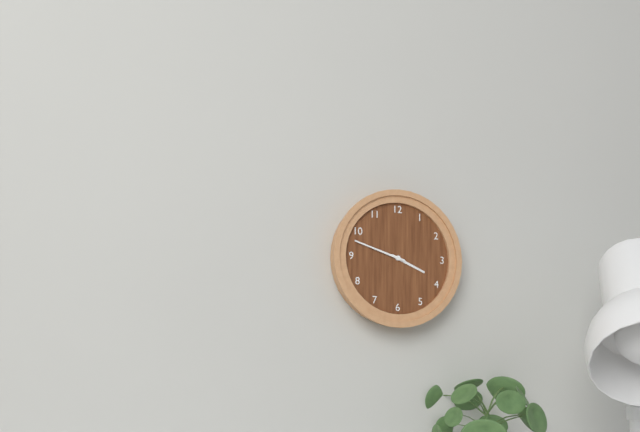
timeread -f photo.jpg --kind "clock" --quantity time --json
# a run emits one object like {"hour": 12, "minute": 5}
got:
{"hour": 3, "minute": 48}
